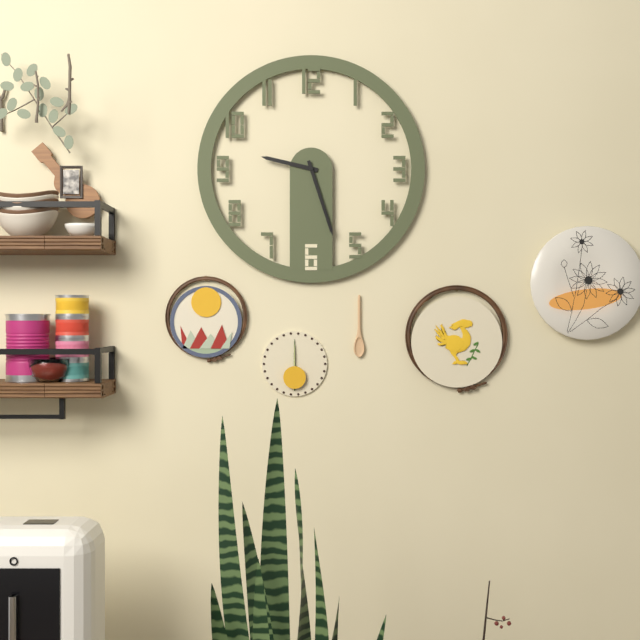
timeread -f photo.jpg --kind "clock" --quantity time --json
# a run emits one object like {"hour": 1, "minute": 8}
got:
{"hour": 9, "minute": 27}
